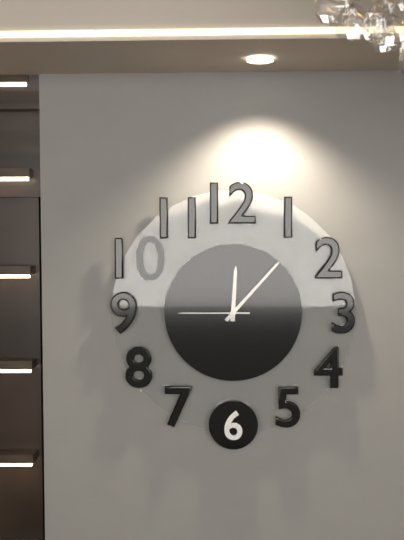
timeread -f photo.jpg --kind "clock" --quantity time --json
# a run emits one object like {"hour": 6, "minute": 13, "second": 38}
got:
{"hour": 12, "minute": 7, "second": 45}
